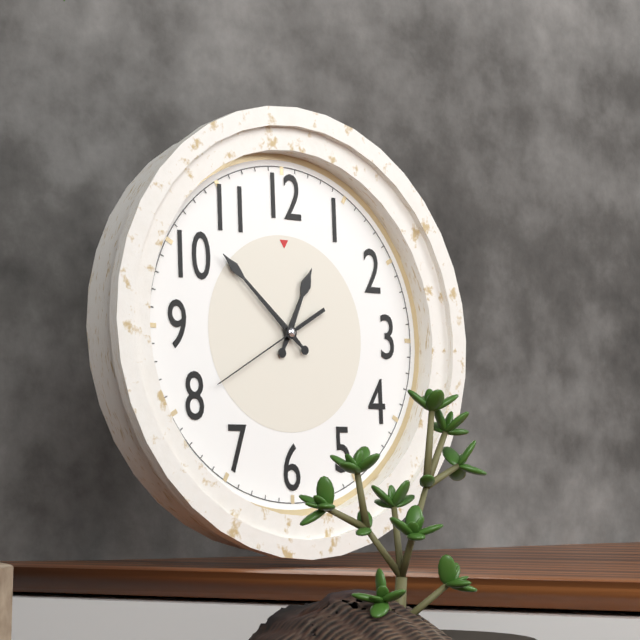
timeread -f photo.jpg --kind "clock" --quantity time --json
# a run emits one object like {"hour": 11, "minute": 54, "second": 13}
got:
{"hour": 12, "minute": 52, "second": 40}
